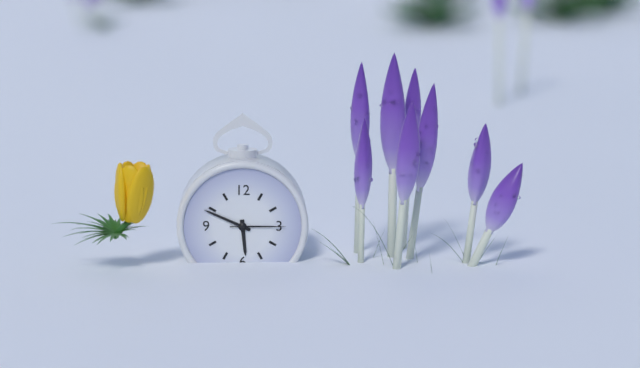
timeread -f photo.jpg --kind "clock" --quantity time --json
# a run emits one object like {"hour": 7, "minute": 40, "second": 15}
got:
{"hour": 5, "minute": 49, "second": 15}
